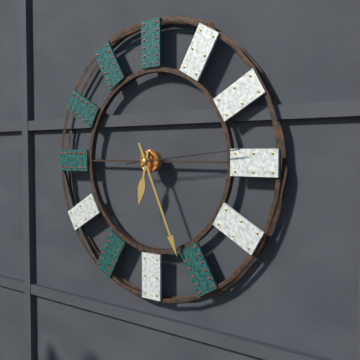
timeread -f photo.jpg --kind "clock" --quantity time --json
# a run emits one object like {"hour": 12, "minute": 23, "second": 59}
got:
{"hour": 6, "minute": 26, "second": 14}
